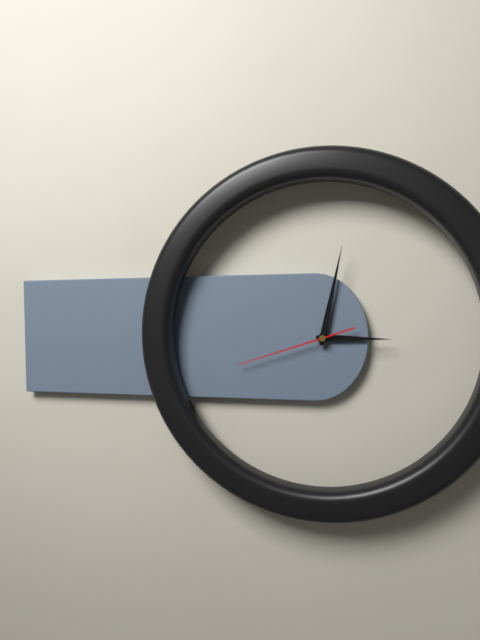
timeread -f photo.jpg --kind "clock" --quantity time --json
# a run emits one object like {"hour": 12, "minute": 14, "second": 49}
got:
{"hour": 3, "minute": 2, "second": 42}
